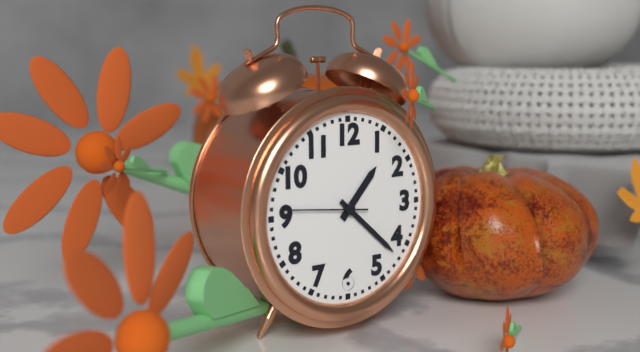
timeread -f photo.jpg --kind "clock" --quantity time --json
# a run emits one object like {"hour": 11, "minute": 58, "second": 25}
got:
{"hour": 1, "minute": 22, "second": 46}
